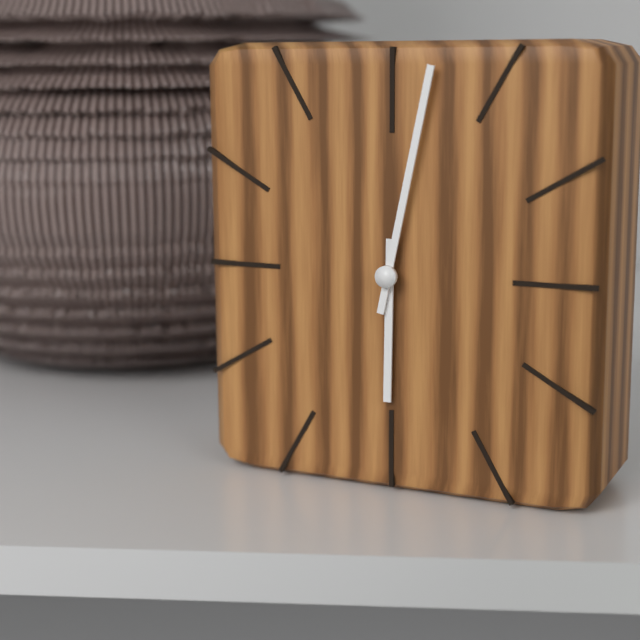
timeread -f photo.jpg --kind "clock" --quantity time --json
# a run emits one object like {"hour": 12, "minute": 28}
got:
{"hour": 6, "minute": 2}
